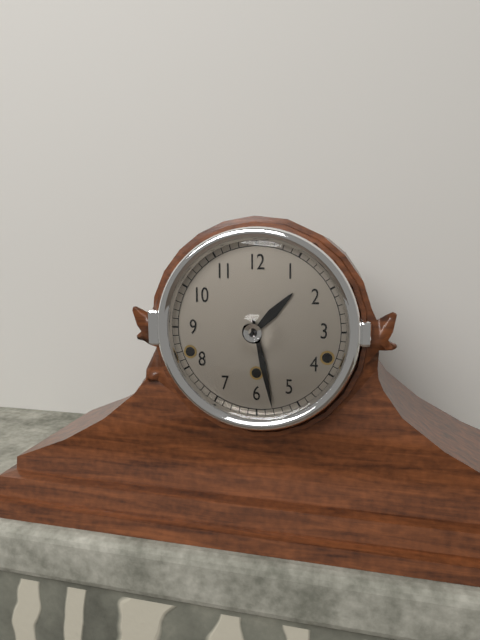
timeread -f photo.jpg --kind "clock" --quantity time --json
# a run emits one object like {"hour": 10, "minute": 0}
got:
{"hour": 1, "minute": 28}
